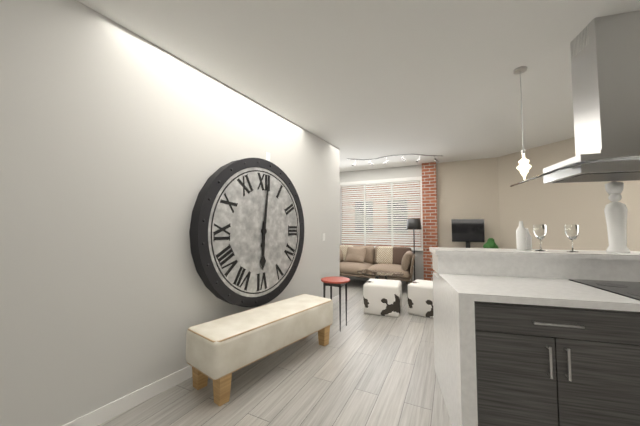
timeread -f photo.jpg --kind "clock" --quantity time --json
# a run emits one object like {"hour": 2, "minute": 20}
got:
{"hour": 6, "minute": 1}
